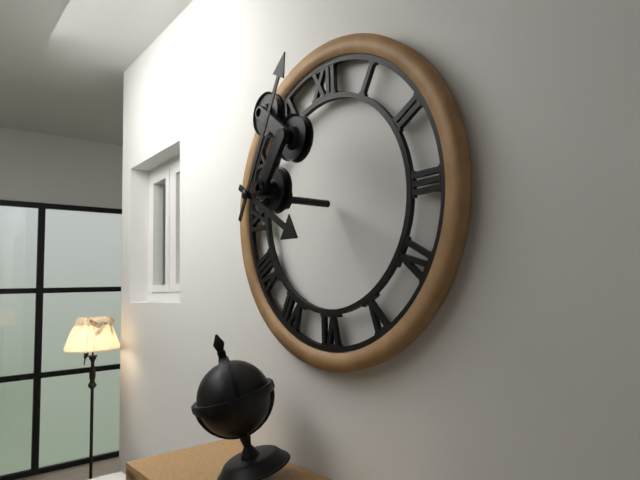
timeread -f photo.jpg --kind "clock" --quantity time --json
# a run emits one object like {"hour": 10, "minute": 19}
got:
{"hour": 4, "minute": 5}
